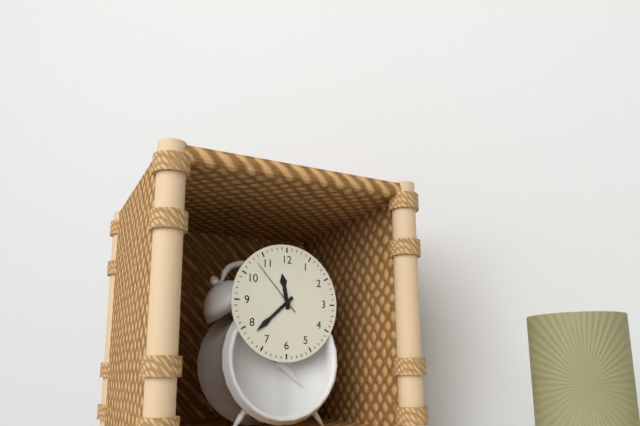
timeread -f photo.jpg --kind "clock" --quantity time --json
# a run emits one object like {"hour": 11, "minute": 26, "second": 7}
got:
{"hour": 11, "minute": 38, "second": 53}
